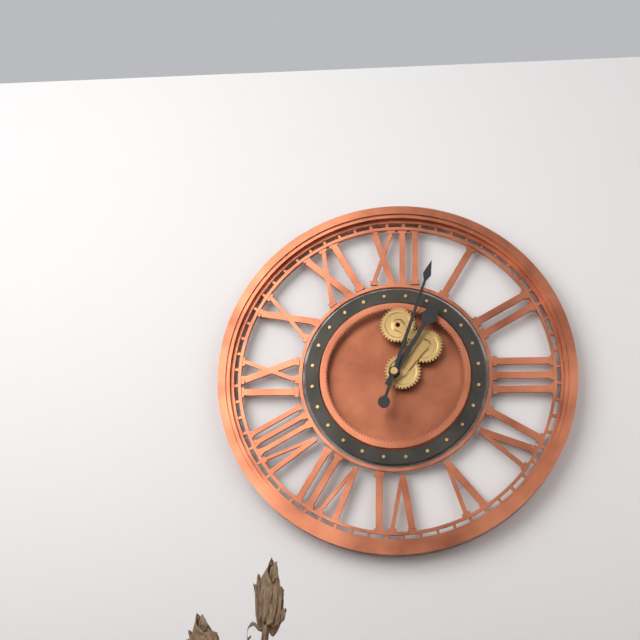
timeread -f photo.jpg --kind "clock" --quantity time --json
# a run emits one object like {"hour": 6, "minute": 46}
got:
{"hour": 1, "minute": 3}
